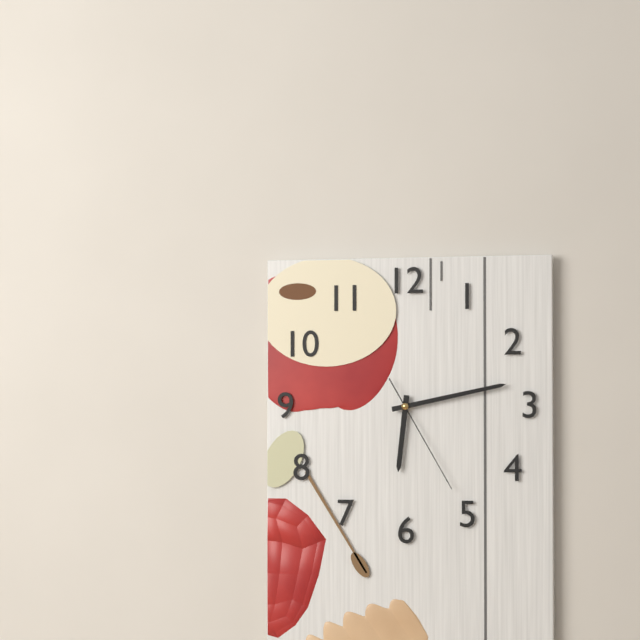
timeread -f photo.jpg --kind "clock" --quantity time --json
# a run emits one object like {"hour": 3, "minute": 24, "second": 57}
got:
{"hour": 6, "minute": 13, "second": 25}
